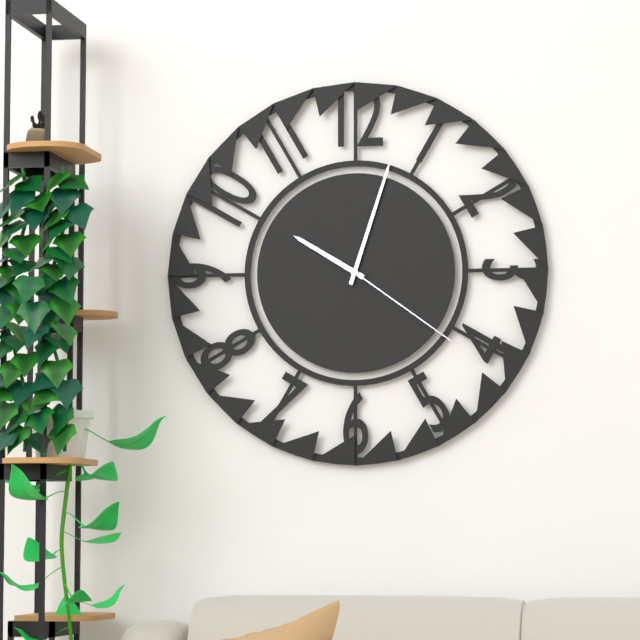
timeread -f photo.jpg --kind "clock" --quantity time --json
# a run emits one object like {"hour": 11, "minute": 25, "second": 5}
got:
{"hour": 10, "minute": 3, "second": 21}
